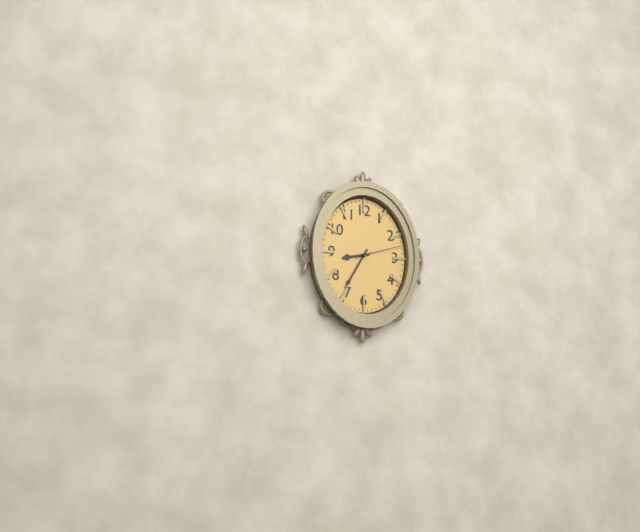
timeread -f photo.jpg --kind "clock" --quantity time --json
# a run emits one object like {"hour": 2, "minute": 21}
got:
{"hour": 8, "minute": 35}
